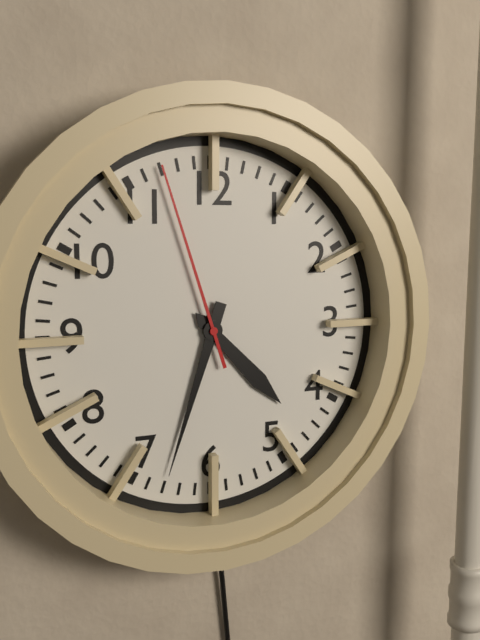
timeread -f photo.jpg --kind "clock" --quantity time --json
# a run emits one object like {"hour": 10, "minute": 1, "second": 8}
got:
{"hour": 4, "minute": 33, "second": 57}
